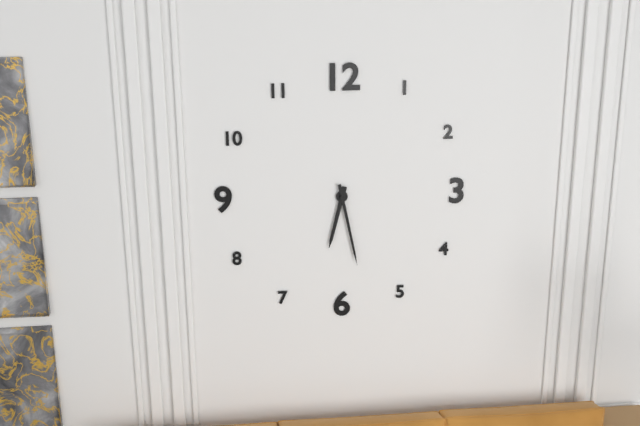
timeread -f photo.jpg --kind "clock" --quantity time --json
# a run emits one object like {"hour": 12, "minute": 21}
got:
{"hour": 6, "minute": 28}
